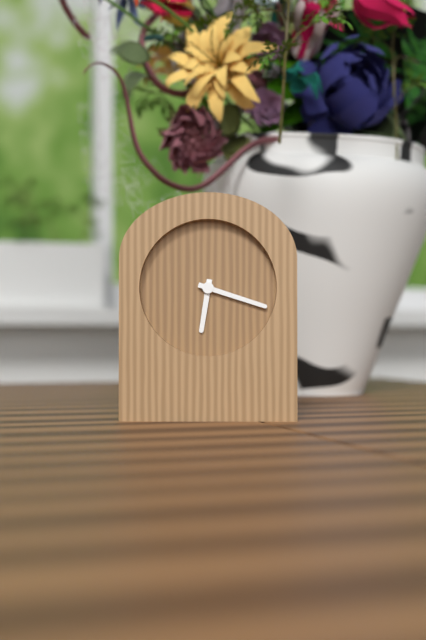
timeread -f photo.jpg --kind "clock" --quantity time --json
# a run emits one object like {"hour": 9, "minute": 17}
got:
{"hour": 6, "minute": 18}
